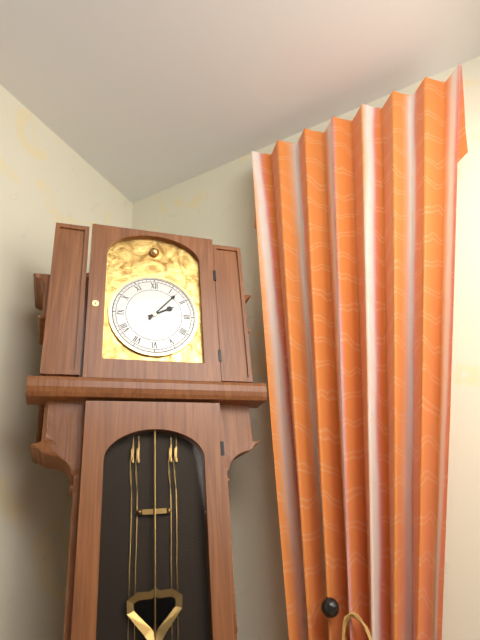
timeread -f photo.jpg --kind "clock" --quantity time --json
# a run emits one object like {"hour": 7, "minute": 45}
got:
{"hour": 2, "minute": 7}
